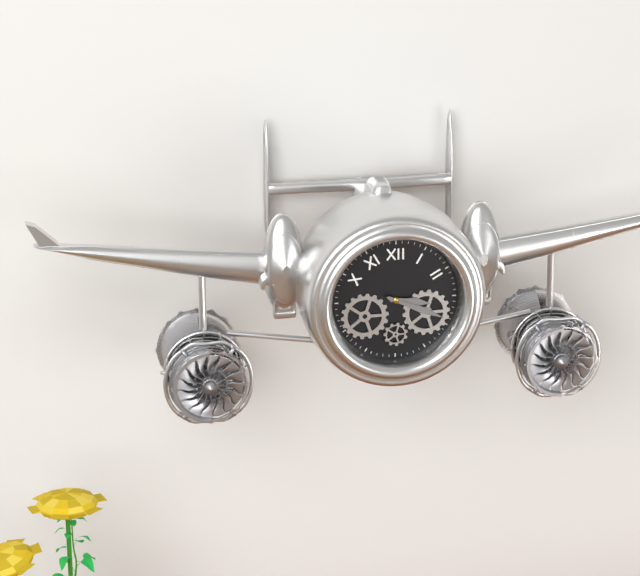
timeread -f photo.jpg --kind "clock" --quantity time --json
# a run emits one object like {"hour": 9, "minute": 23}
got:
{"hour": 3, "minute": 19}
